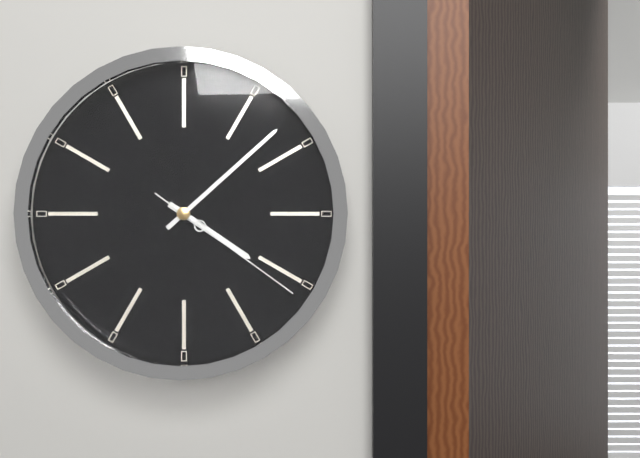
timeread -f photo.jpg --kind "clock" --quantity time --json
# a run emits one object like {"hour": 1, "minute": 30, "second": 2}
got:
{"hour": 4, "minute": 8, "second": 21}
